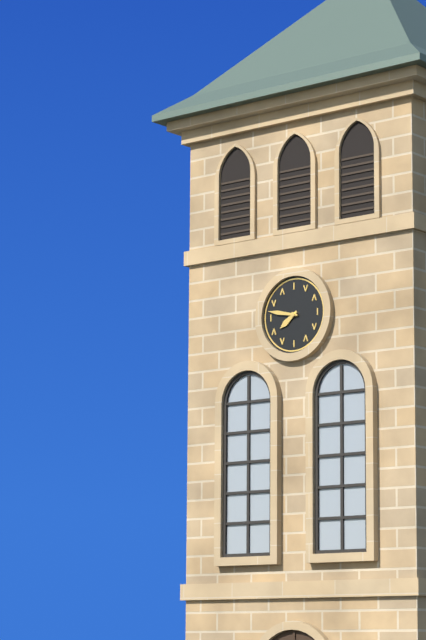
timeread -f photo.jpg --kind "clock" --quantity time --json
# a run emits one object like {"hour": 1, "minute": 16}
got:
{"hour": 7, "minute": 47}
